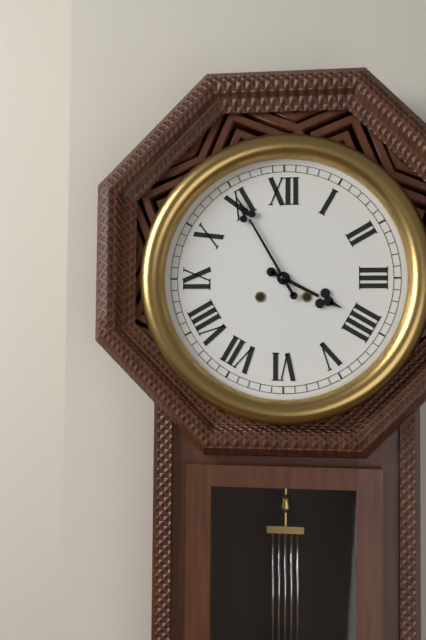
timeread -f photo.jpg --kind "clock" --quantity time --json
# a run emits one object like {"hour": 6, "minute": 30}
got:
{"hour": 3, "minute": 55}
